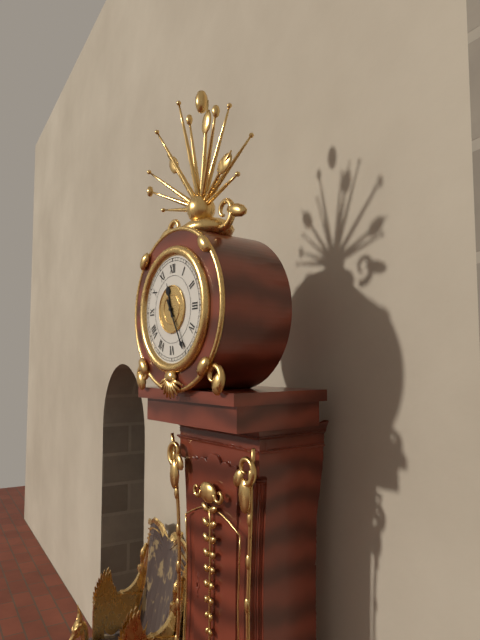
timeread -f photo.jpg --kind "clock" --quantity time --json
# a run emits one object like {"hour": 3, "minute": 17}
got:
{"hour": 11, "minute": 25}
